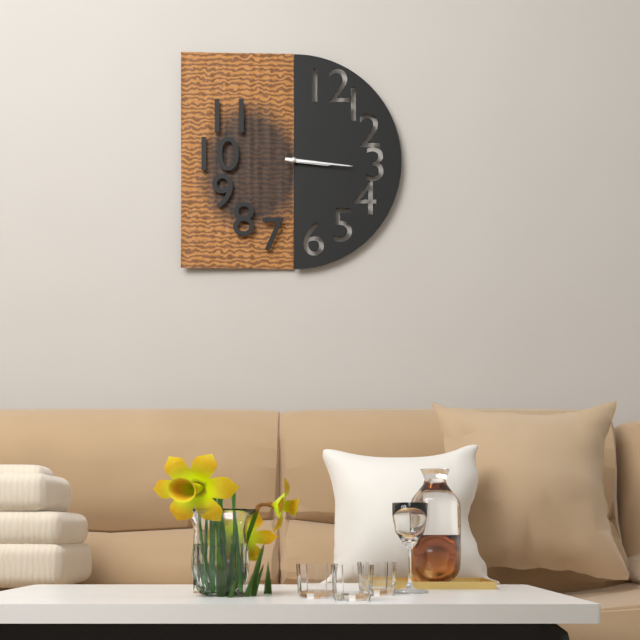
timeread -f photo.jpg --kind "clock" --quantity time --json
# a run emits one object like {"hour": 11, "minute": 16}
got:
{"hour": 3, "minute": 16}
